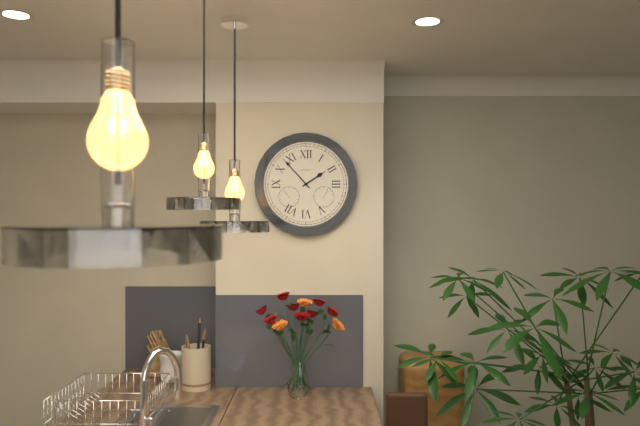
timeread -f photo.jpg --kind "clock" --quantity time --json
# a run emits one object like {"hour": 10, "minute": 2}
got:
{"hour": 1, "minute": 53}
